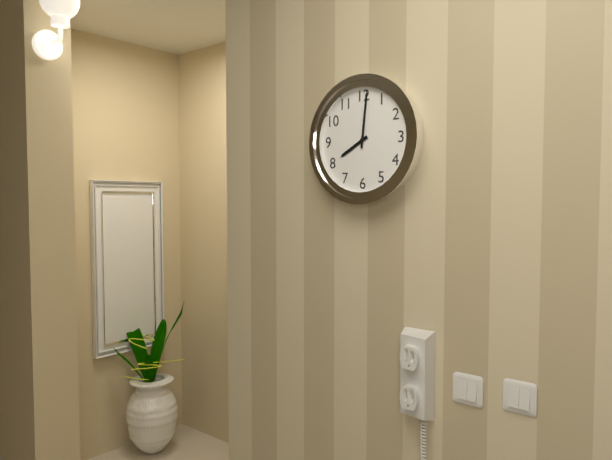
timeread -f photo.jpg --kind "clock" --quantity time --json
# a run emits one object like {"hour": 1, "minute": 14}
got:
{"hour": 8, "minute": 1}
